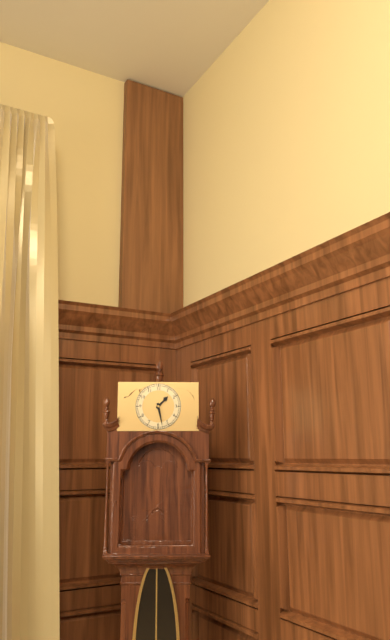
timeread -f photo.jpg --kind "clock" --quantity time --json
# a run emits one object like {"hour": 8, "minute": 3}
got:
{"hour": 1, "minute": 28}
